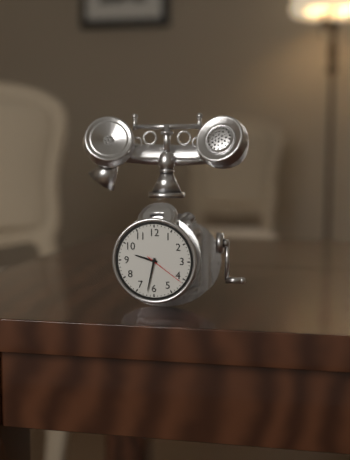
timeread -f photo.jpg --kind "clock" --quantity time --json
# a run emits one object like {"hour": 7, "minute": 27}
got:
{"hour": 9, "minute": 32}
